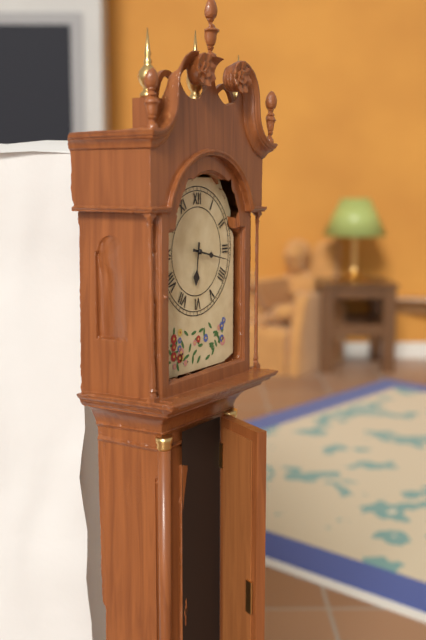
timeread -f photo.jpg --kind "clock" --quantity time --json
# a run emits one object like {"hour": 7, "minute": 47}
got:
{"hour": 6, "minute": 17}
